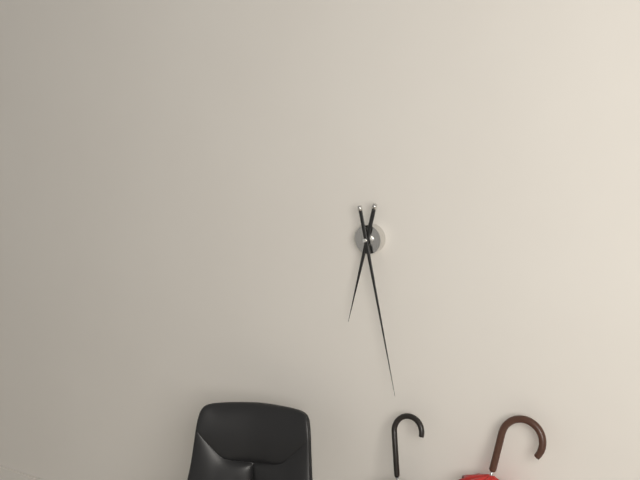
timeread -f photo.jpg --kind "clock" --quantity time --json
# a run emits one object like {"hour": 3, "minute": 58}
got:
{"hour": 6, "minute": 28}
